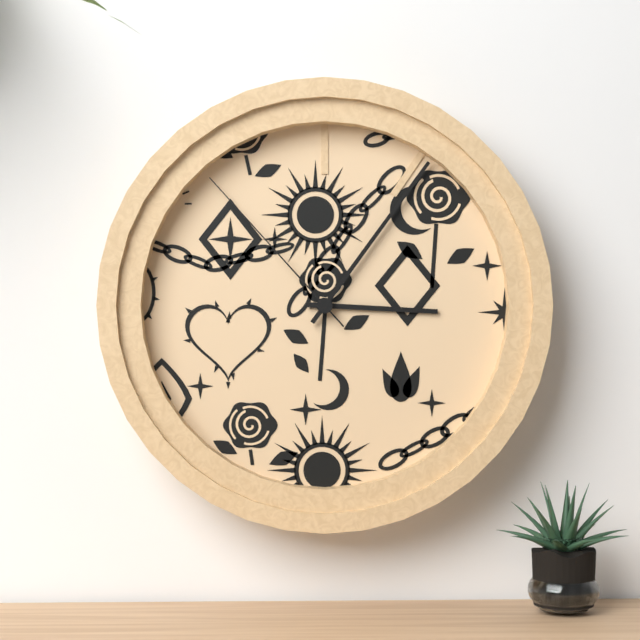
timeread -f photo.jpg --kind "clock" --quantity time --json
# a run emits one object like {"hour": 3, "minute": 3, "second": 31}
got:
{"hour": 3, "minute": 6, "second": 53}
